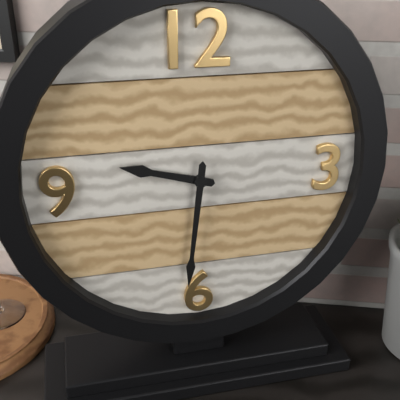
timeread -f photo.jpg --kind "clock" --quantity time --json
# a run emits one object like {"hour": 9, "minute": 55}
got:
{"hour": 9, "minute": 31}
